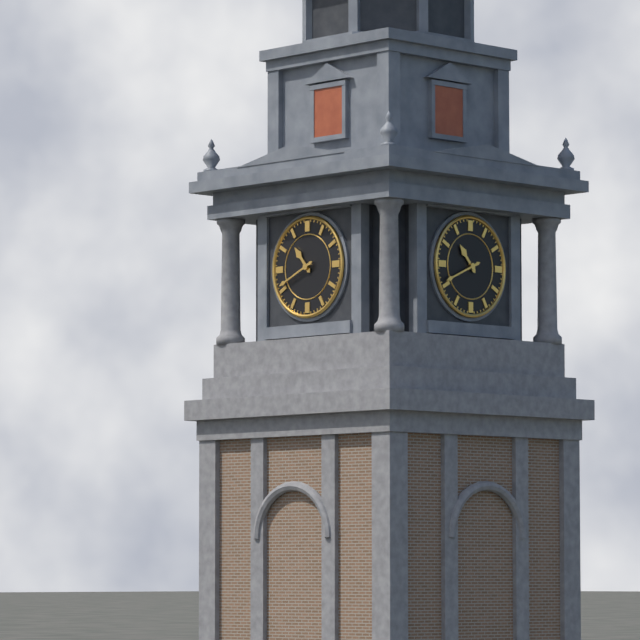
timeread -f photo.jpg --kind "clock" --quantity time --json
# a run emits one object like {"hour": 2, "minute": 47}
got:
{"hour": 10, "minute": 41}
